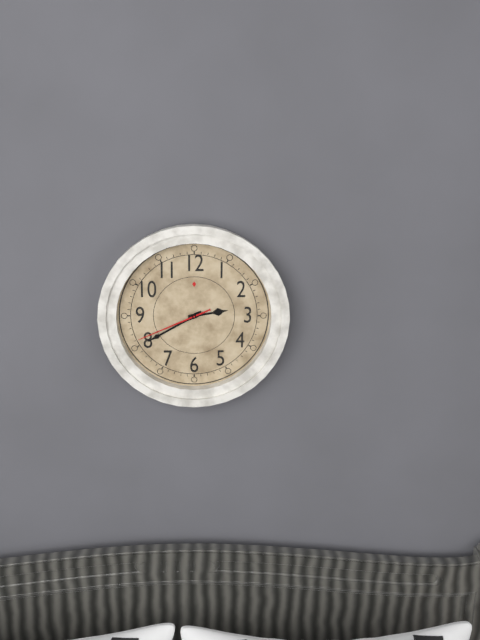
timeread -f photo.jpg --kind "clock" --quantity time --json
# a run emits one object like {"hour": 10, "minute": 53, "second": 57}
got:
{"hour": 2, "minute": 40, "second": 41}
